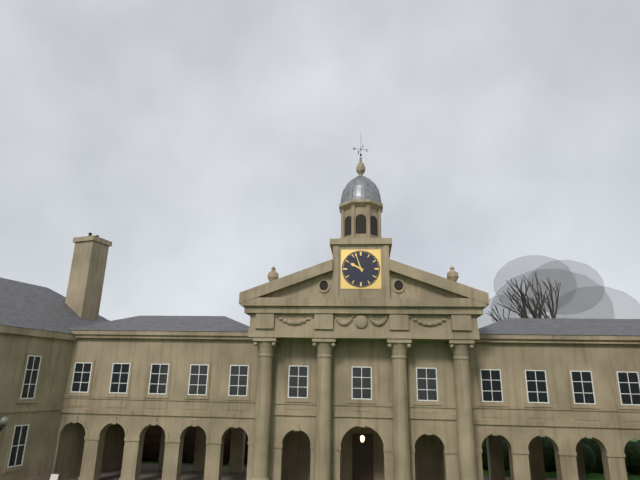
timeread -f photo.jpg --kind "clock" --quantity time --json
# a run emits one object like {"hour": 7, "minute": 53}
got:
{"hour": 9, "minute": 57}
